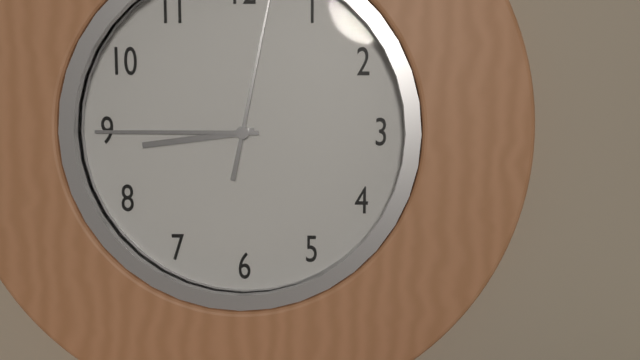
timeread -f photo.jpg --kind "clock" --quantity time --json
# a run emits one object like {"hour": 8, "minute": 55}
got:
{"hour": 8, "minute": 45}
